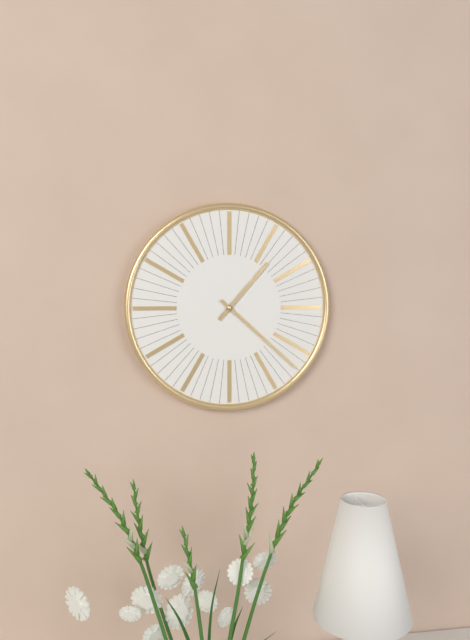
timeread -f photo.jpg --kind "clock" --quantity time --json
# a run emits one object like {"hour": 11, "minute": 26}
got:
{"hour": 1, "minute": 22}
